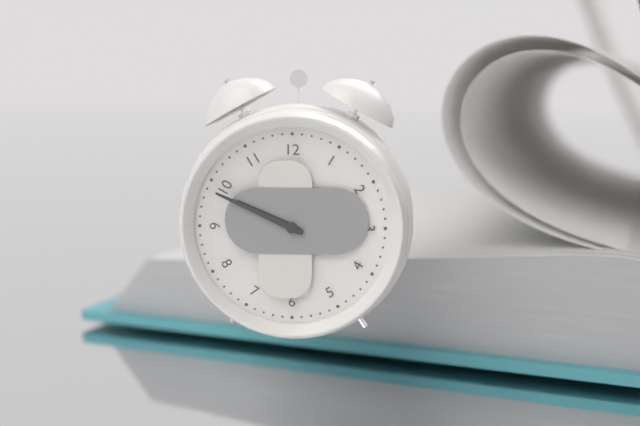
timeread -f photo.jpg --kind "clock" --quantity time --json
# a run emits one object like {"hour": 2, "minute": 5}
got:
{"hour": 9, "minute": 49}
